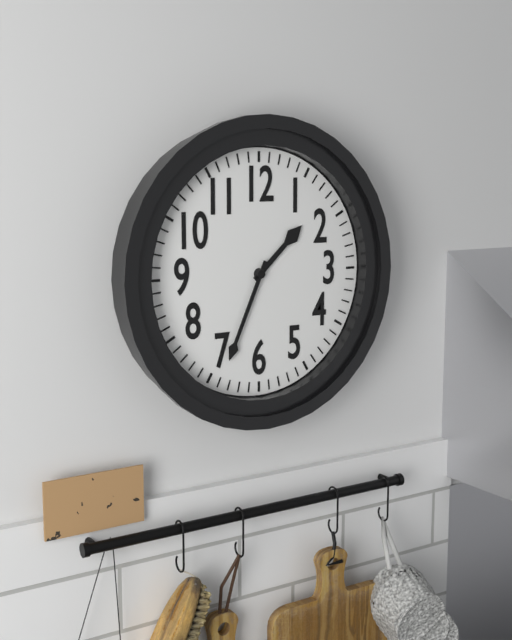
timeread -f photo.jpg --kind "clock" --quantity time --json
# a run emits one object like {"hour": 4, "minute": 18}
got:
{"hour": 1, "minute": 34}
